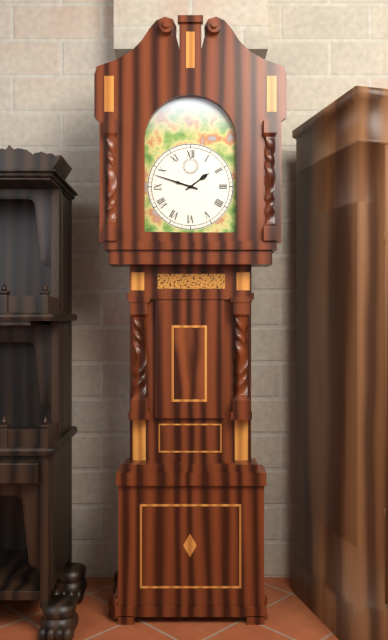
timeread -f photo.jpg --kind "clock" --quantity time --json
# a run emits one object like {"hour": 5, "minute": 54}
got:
{"hour": 1, "minute": 48}
